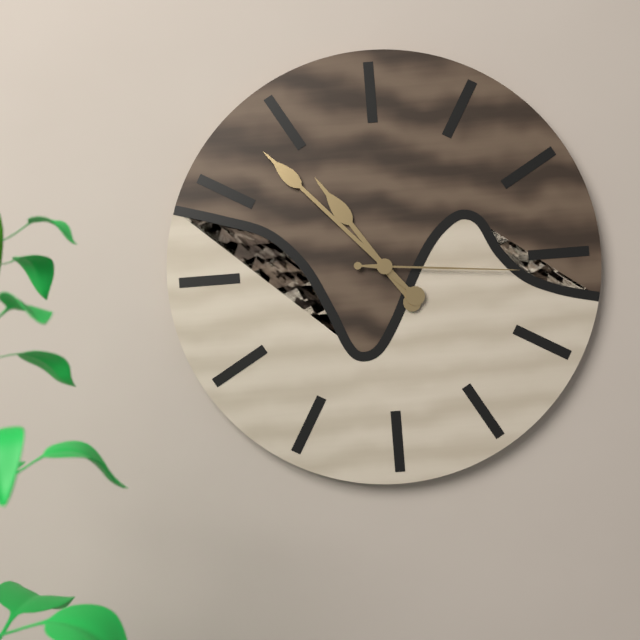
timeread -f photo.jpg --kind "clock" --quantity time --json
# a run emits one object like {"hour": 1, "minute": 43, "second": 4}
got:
{"hour": 10, "minute": 53, "second": 16}
